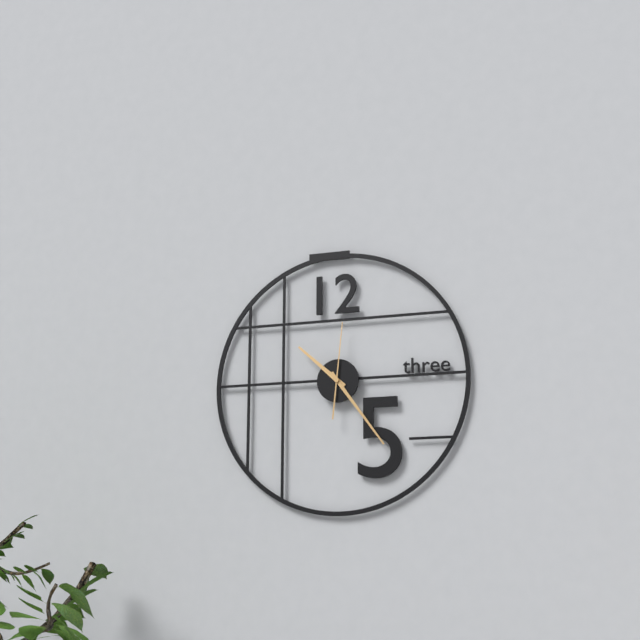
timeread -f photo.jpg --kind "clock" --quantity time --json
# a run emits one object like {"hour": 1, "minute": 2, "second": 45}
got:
{"hour": 10, "minute": 24, "second": 1}
